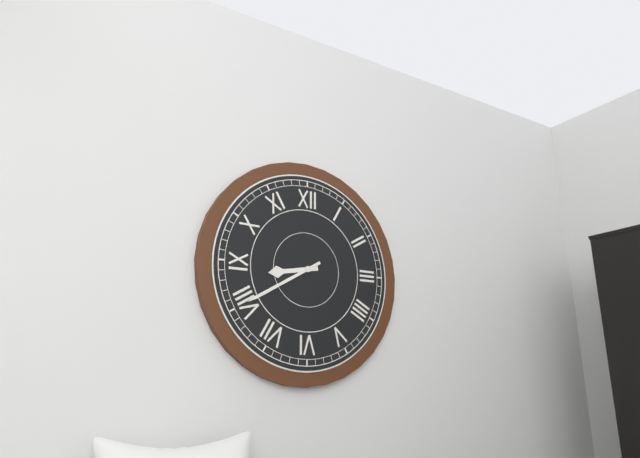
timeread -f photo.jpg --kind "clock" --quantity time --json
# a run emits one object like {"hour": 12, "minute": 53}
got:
{"hour": 8, "minute": 40}
